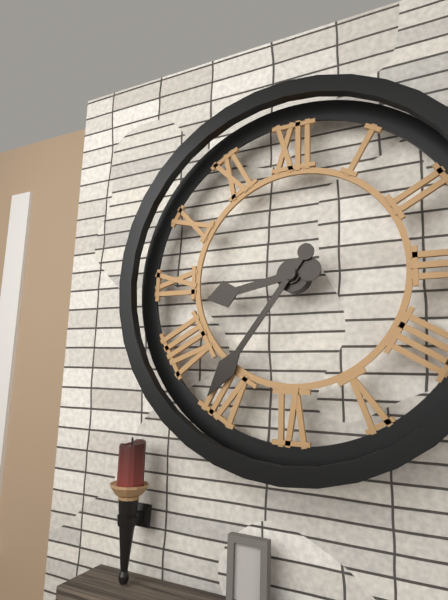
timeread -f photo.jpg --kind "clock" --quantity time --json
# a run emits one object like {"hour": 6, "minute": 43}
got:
{"hour": 8, "minute": 36}
